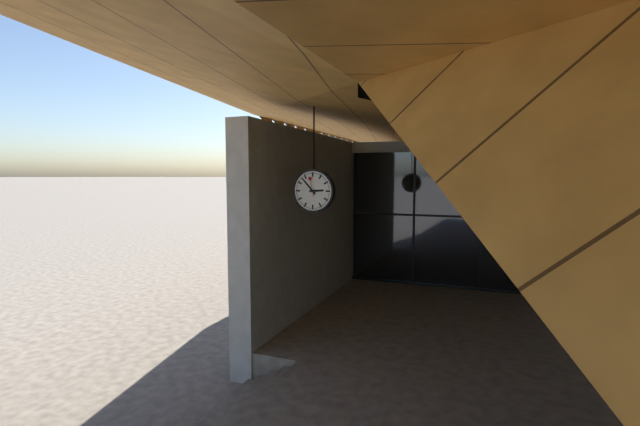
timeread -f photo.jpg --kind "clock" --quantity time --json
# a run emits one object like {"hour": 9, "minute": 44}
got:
{"hour": 2, "minute": 53}
